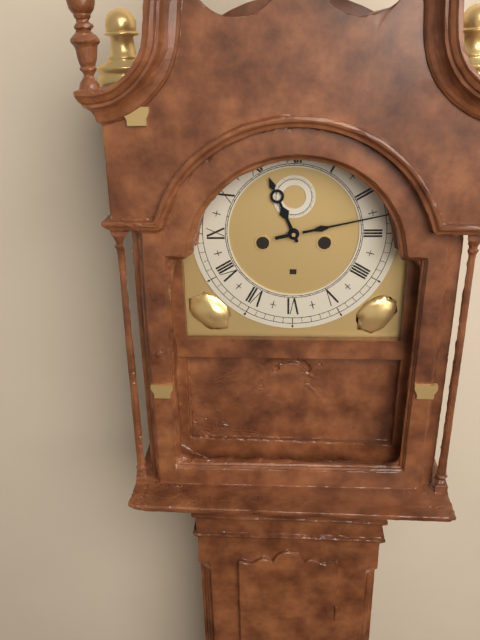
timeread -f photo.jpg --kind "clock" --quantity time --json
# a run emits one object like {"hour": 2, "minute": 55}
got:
{"hour": 11, "minute": 13}
